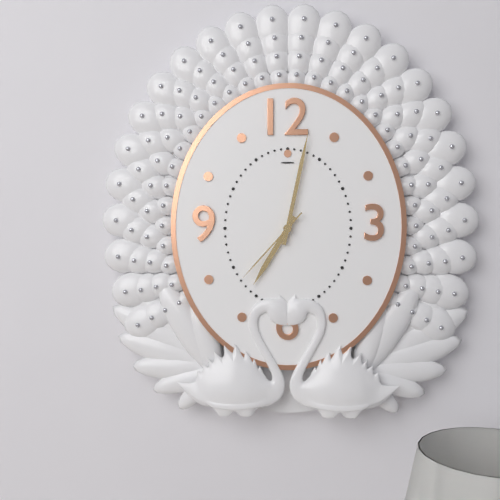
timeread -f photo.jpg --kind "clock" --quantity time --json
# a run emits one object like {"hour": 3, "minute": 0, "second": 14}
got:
{"hour": 7, "minute": 2, "second": 37}
